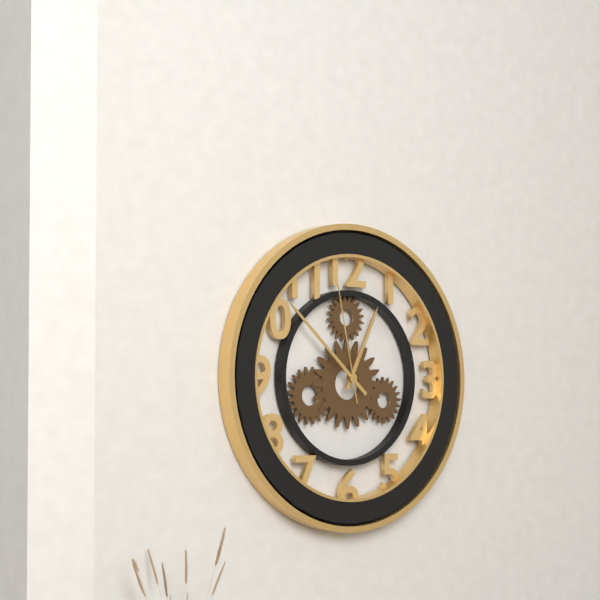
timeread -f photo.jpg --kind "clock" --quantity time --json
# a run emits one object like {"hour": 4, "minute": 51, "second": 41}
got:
{"hour": 12, "minute": 52, "second": 58}
